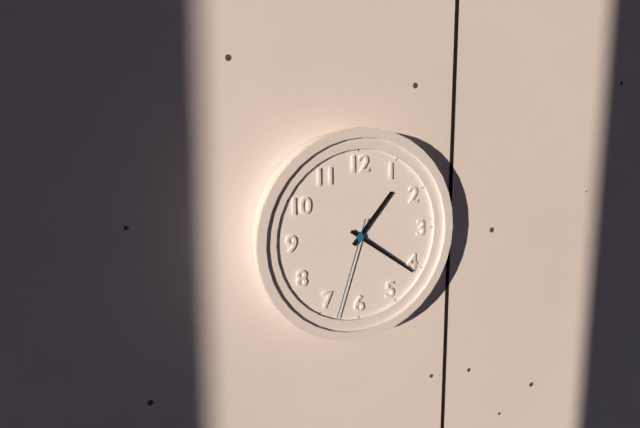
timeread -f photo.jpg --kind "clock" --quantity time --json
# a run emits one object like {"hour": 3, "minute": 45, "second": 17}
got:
{"hour": 1, "minute": 21, "second": 33}
